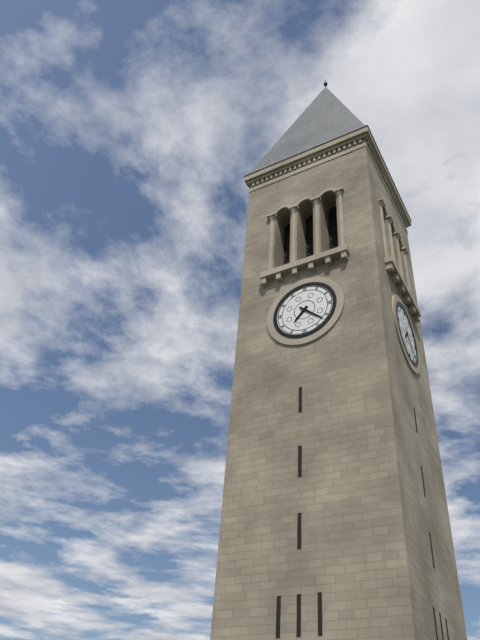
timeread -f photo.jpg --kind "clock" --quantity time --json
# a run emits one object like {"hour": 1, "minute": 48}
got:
{"hour": 7, "minute": 22}
